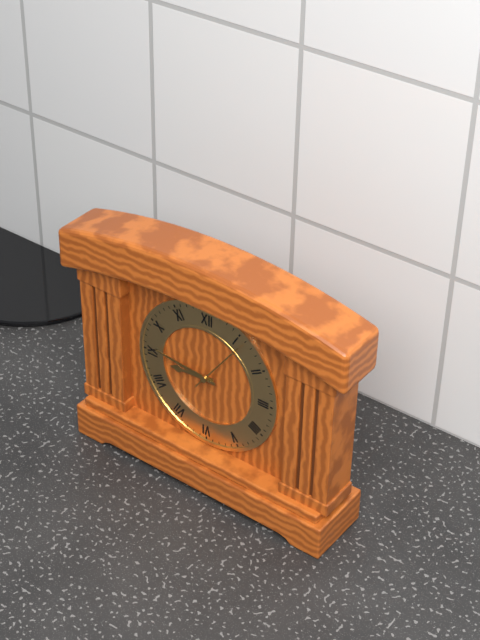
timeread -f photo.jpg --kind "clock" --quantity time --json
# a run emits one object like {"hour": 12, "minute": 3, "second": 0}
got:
{"hour": 8, "minute": 46, "second": 6}
